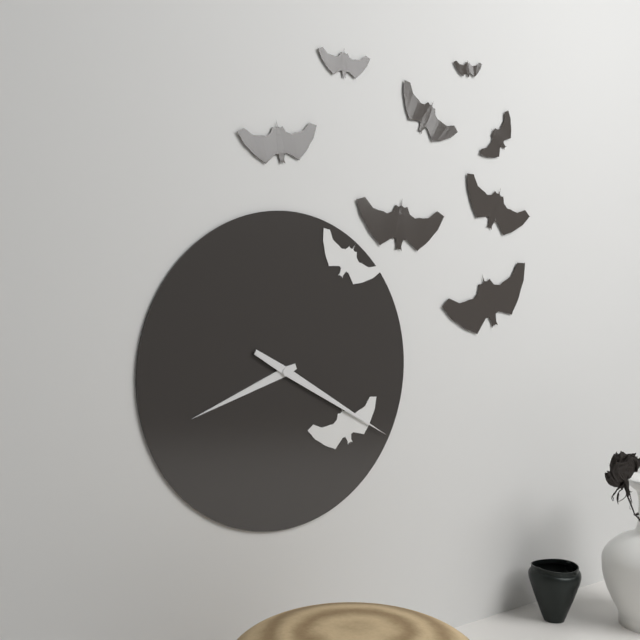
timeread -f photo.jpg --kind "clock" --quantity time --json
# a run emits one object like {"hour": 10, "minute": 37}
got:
{"hour": 8, "minute": 20}
